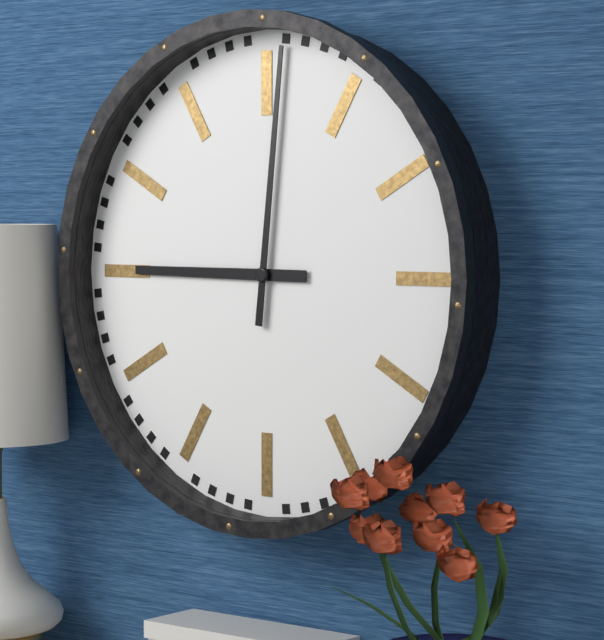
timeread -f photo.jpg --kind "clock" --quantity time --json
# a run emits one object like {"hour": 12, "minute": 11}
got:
{"hour": 9, "minute": 1}
